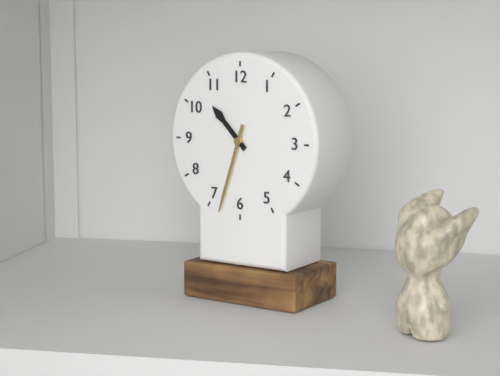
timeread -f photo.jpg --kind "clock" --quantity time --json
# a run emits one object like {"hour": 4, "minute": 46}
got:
{"hour": 10, "minute": 33}
